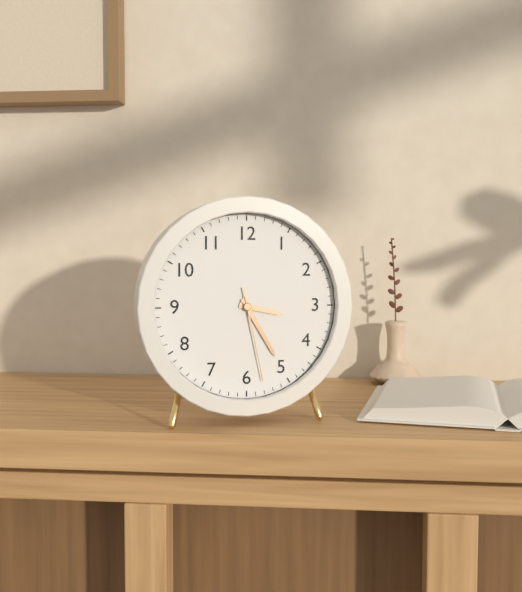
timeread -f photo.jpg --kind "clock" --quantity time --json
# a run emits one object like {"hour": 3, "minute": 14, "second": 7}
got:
{"hour": 3, "minute": 25, "second": 28}
